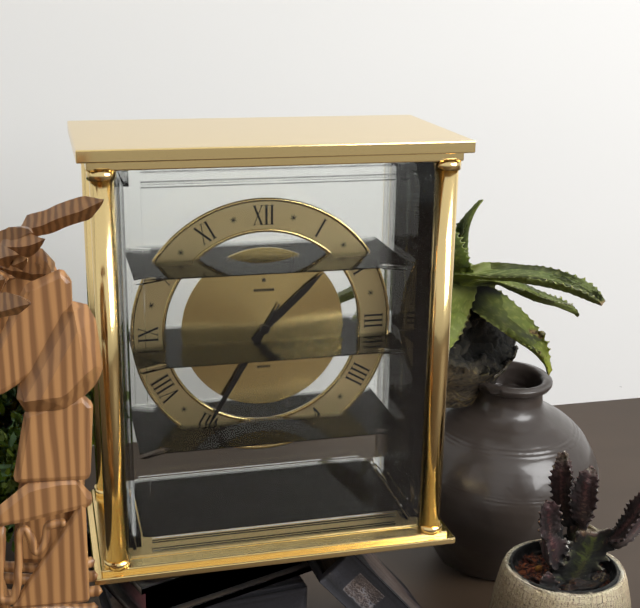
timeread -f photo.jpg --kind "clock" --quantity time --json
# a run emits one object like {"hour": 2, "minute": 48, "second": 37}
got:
{"hour": 1, "minute": 35, "second": 35}
